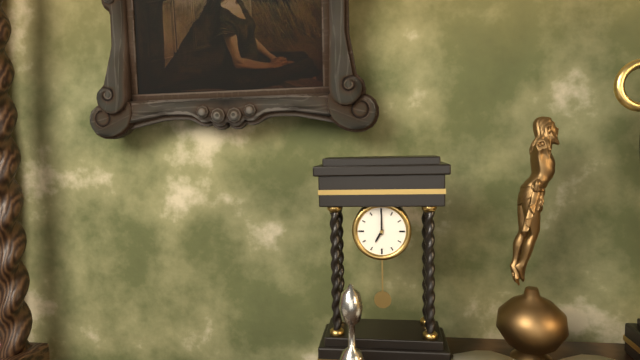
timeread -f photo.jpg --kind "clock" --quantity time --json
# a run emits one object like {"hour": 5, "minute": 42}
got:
{"hour": 7, "minute": 0}
